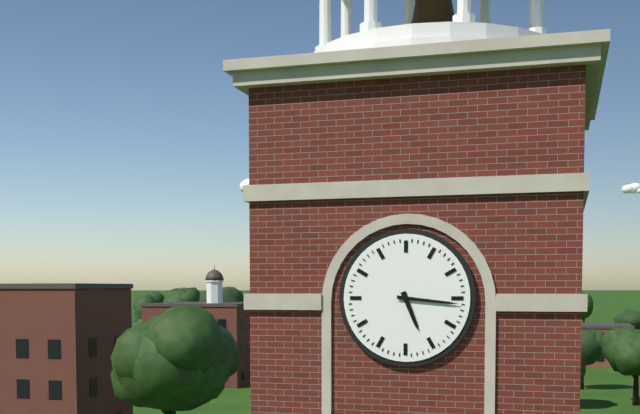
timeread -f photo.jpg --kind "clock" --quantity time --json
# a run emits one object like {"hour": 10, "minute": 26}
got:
{"hour": 5, "minute": 16}
